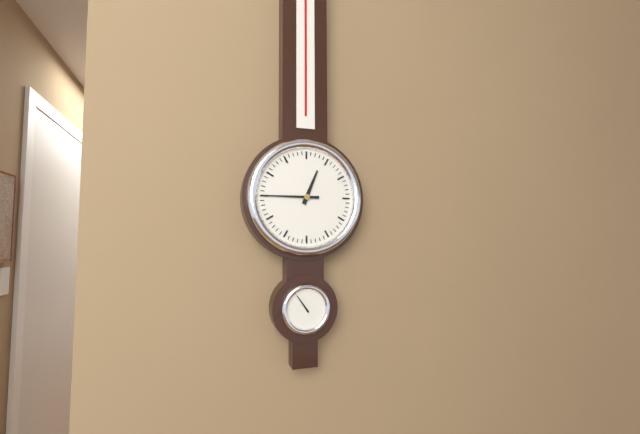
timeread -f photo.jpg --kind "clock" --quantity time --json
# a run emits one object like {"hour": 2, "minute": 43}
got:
{"hour": 12, "minute": 45}
